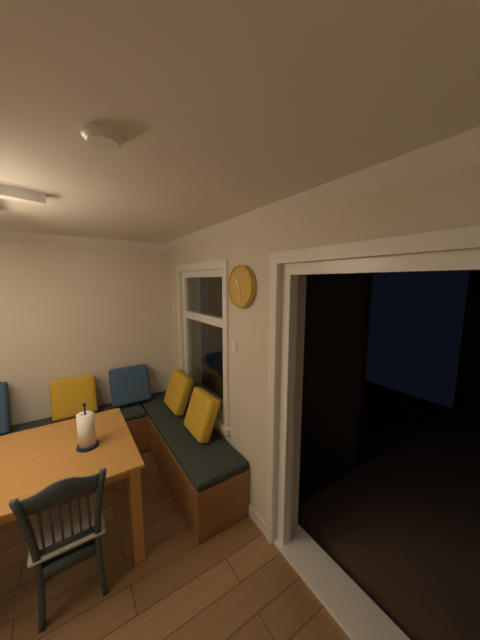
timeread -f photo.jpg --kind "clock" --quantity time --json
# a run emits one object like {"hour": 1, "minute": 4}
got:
{"hour": 10, "minute": 29}
